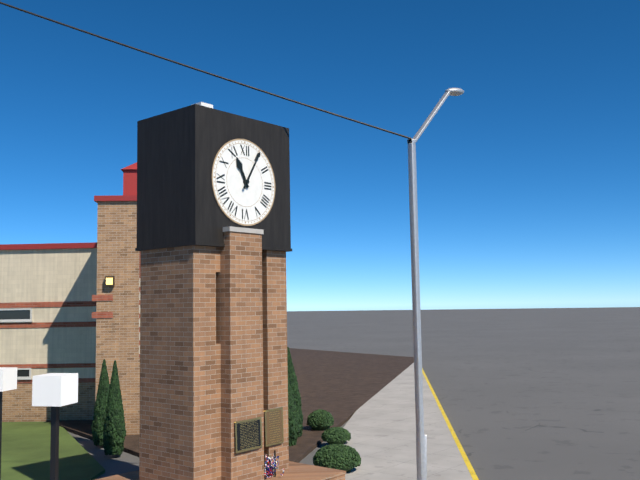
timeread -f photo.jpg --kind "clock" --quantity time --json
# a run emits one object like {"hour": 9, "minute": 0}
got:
{"hour": 11, "minute": 5}
